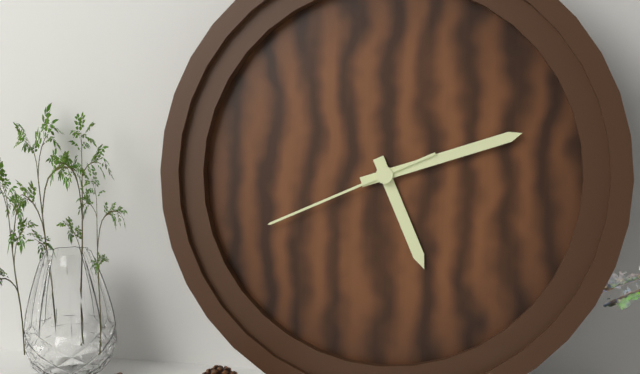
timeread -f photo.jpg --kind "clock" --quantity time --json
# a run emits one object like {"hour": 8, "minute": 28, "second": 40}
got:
{"hour": 5, "minute": 12, "second": 41}
